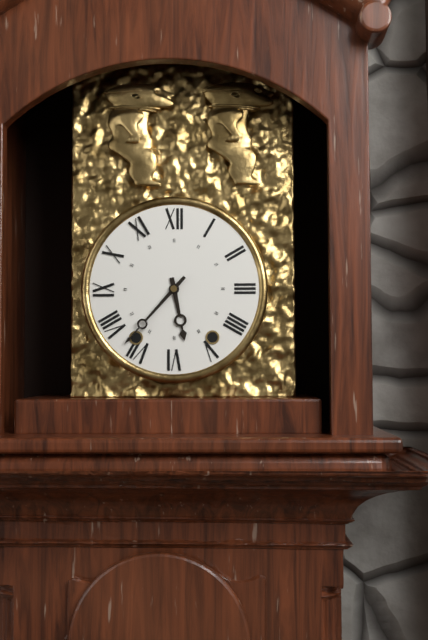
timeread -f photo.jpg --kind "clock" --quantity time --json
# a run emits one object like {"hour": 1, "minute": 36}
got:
{"hour": 5, "minute": 37}
